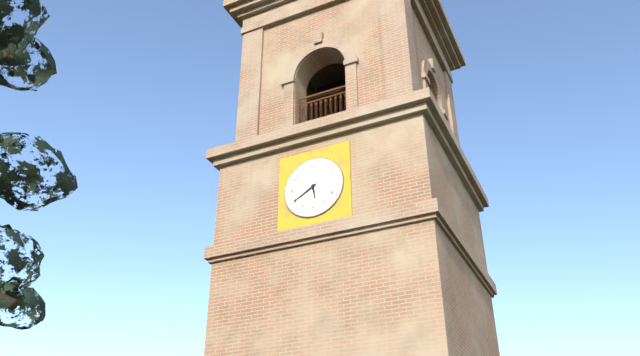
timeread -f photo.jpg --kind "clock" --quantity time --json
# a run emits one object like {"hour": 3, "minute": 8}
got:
{"hour": 5, "minute": 40}
